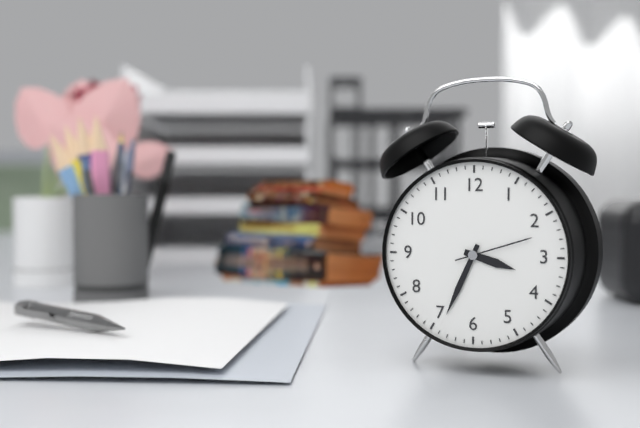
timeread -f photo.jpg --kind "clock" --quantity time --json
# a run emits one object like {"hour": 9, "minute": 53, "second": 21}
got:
{"hour": 3, "minute": 34, "second": 12}
